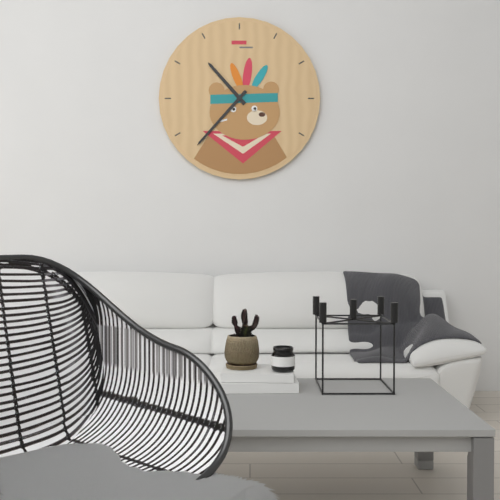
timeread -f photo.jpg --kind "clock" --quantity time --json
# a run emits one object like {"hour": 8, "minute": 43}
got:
{"hour": 10, "minute": 37}
